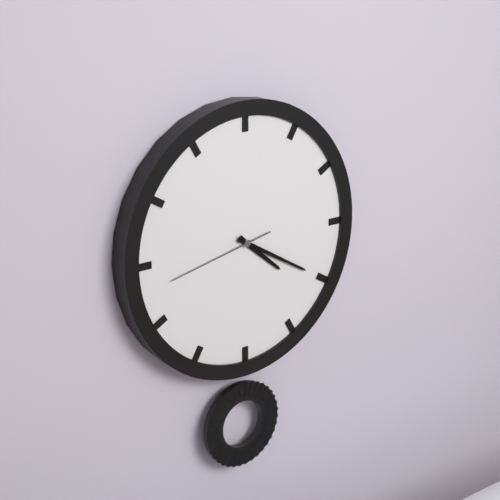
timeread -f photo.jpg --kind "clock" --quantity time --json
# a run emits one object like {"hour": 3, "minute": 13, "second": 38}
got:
{"hour": 4, "minute": 20, "second": 43}
